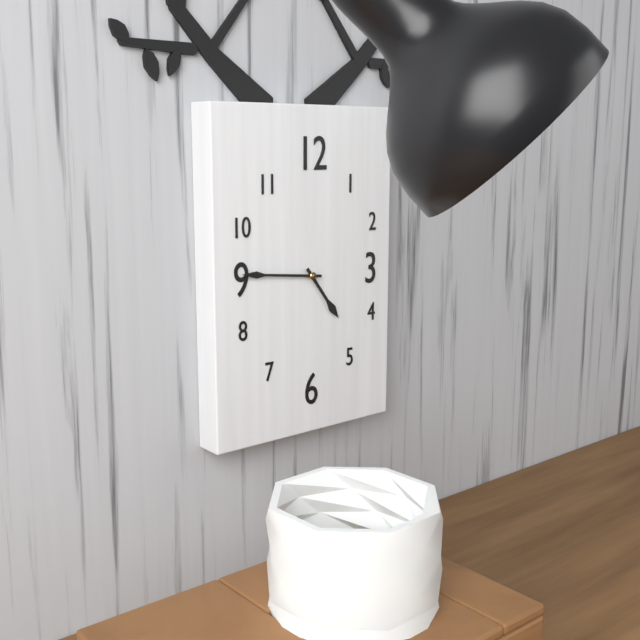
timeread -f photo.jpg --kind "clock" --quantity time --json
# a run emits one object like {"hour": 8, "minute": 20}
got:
{"hour": 4, "minute": 46}
